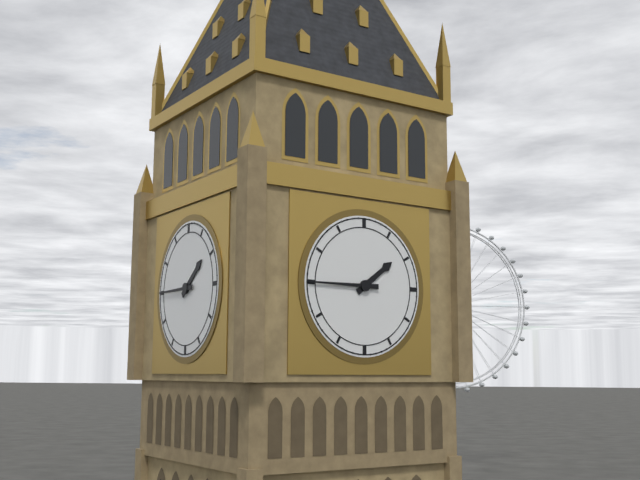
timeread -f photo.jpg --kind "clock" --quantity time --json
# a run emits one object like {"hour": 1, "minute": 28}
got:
{"hour": 1, "minute": 45}
